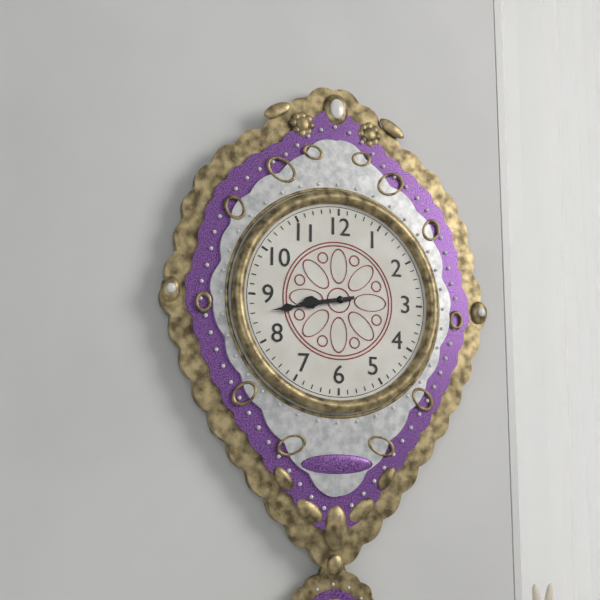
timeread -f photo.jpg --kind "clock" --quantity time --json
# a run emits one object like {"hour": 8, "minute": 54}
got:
{"hour": 8, "minute": 43}
